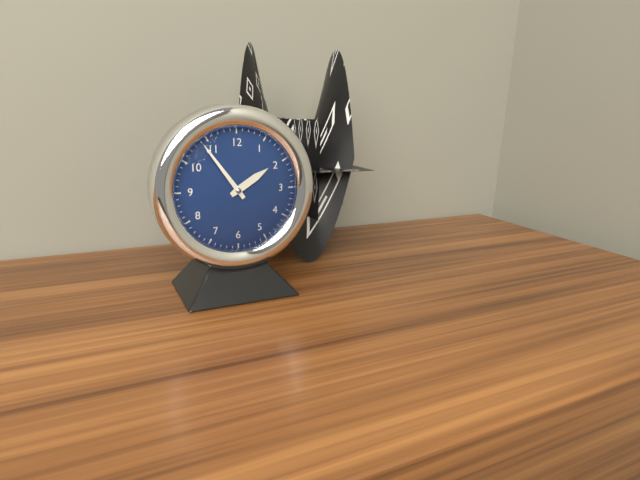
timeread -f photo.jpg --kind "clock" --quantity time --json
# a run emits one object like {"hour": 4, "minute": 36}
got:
{"hour": 1, "minute": 54}
